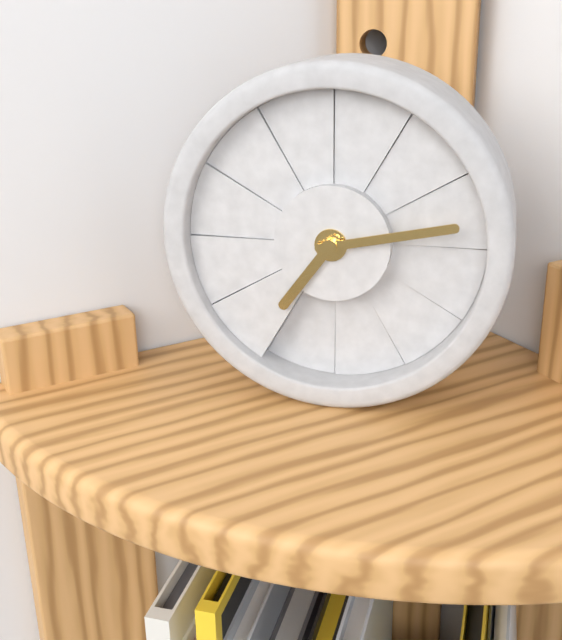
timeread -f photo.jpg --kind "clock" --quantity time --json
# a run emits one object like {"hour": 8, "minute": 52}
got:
{"hour": 7, "minute": 13}
